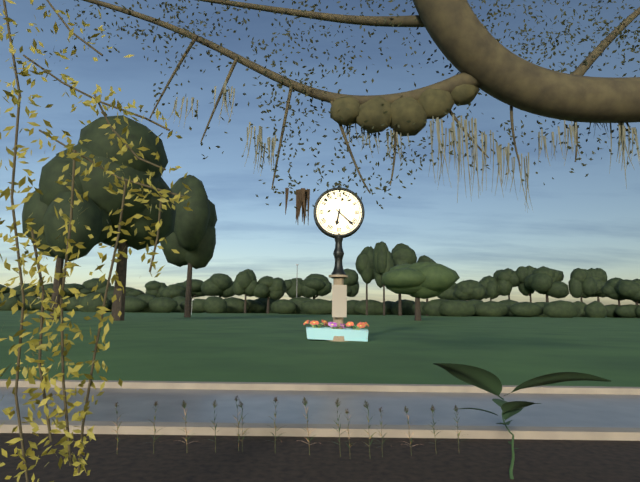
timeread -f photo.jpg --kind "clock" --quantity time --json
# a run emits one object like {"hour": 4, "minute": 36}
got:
{"hour": 6, "minute": 22}
